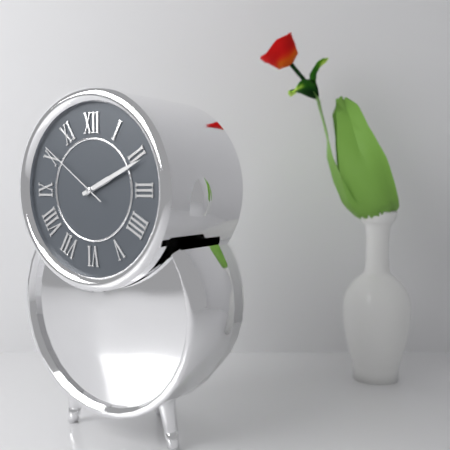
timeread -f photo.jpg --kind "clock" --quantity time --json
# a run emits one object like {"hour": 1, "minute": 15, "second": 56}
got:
{"hour": 2, "minute": 11, "second": 51}
